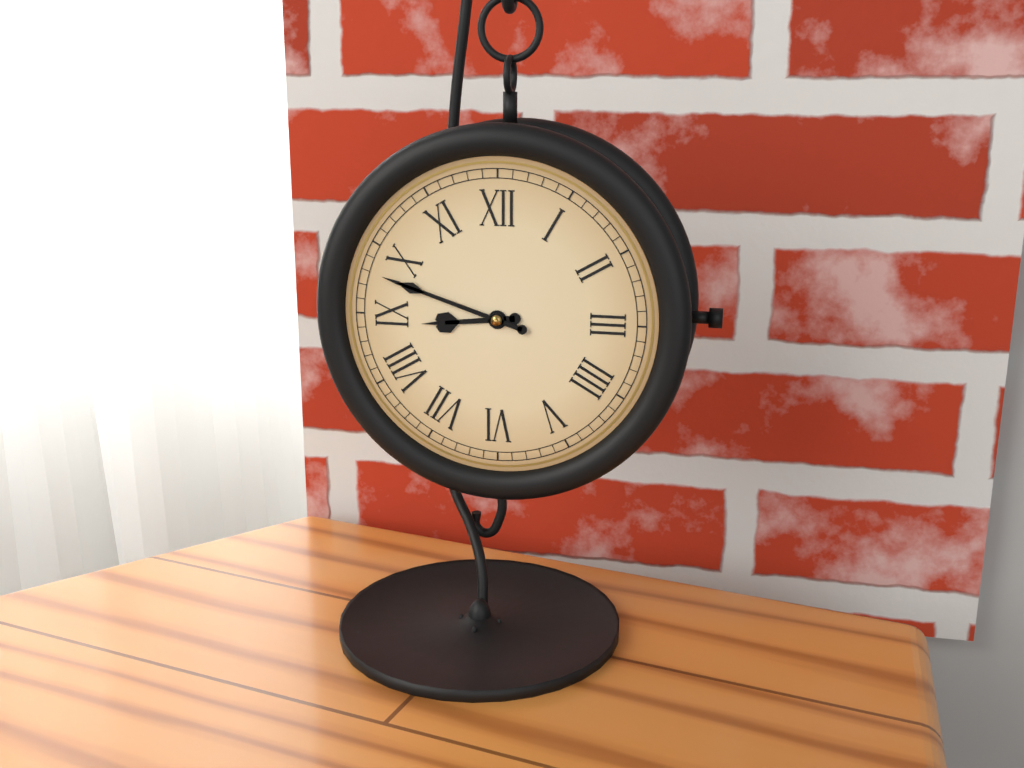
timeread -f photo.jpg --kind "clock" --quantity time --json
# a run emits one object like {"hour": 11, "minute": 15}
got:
{"hour": 8, "minute": 48}
